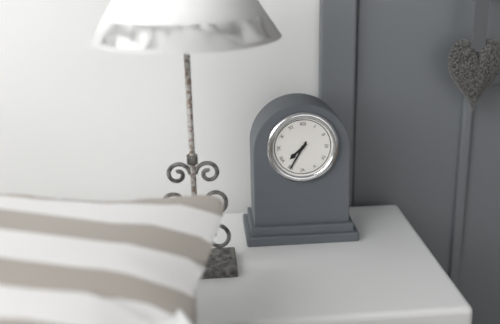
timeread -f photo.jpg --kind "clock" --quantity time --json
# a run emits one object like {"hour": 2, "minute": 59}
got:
{"hour": 7, "minute": 35}
